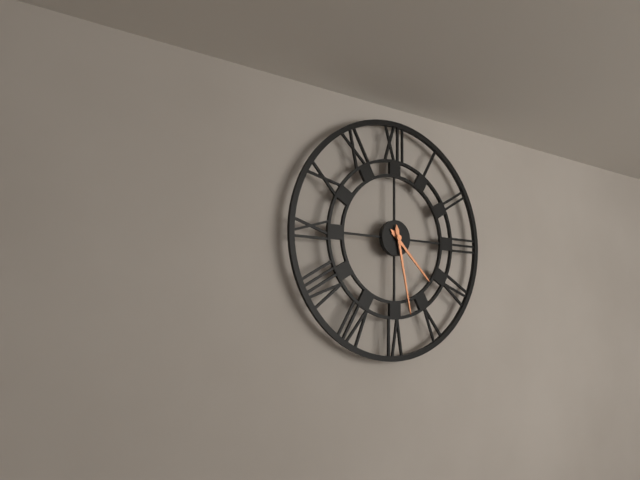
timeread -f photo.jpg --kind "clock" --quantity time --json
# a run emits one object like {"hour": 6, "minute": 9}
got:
{"hour": 4, "minute": 28}
